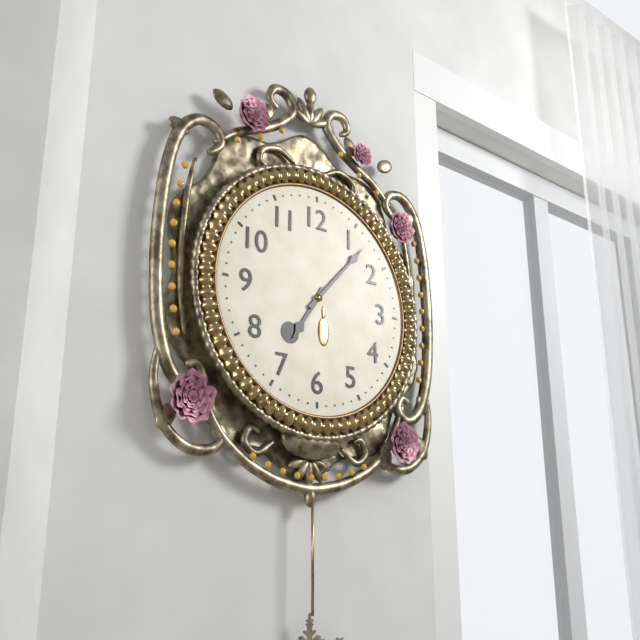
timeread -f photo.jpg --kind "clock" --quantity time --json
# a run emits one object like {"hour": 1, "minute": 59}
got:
{"hour": 7, "minute": 7}
